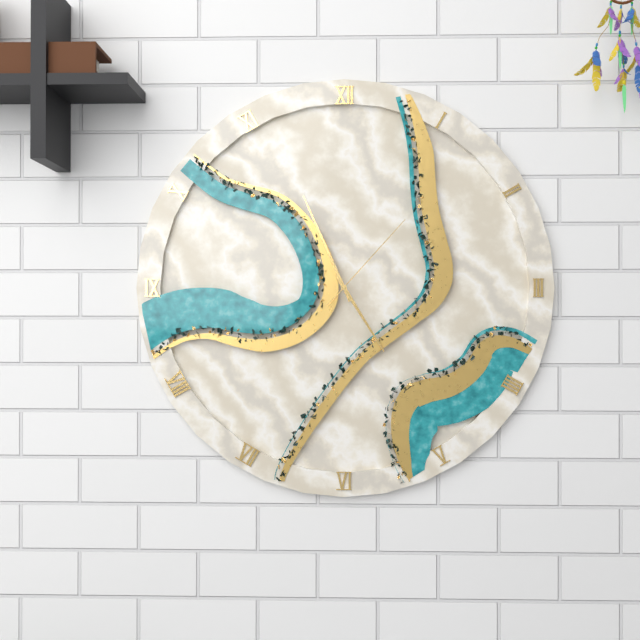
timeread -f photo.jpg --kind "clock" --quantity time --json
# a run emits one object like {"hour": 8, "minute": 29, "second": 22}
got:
{"hour": 4, "minute": 56, "second": 7}
